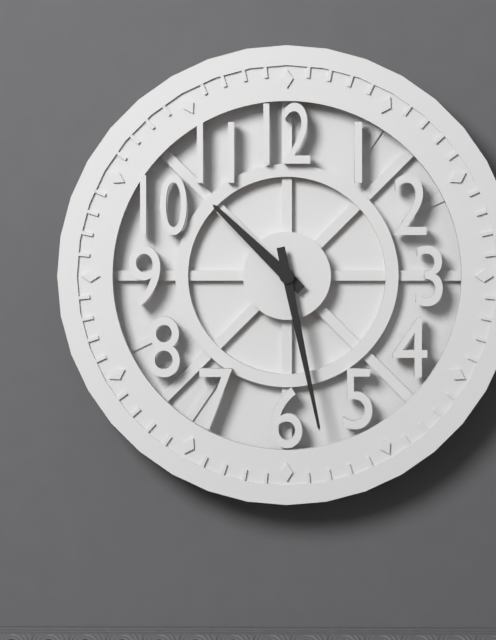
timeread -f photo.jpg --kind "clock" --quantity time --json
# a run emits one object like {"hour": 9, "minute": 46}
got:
{"hour": 10, "minute": 28}
